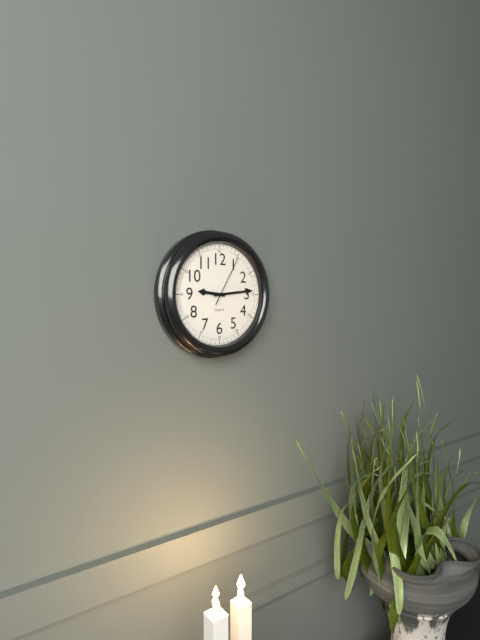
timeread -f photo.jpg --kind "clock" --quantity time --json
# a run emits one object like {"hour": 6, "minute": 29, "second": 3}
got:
{"hour": 9, "minute": 14, "second": 5}
